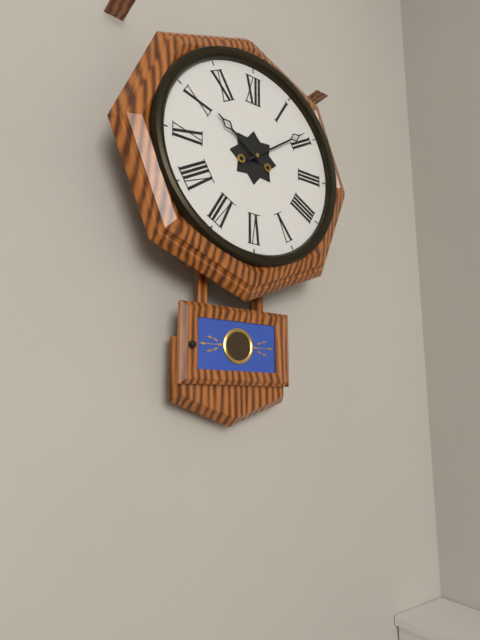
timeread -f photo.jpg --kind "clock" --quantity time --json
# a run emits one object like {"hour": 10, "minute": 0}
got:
{"hour": 10, "minute": 9}
